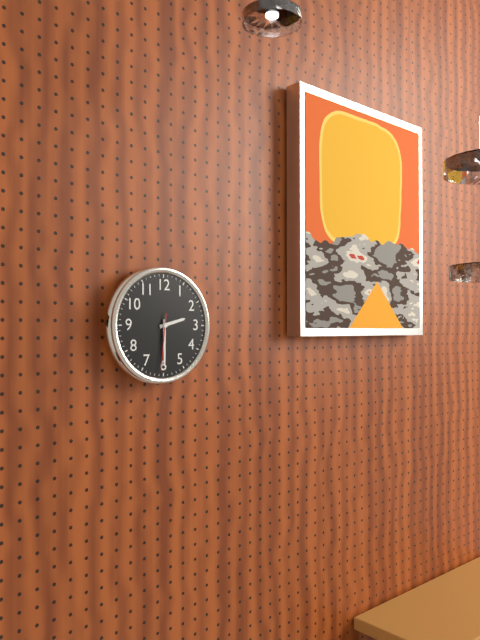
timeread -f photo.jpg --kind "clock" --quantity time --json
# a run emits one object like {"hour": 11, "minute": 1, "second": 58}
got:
{"hour": 2, "minute": 30, "second": 31}
